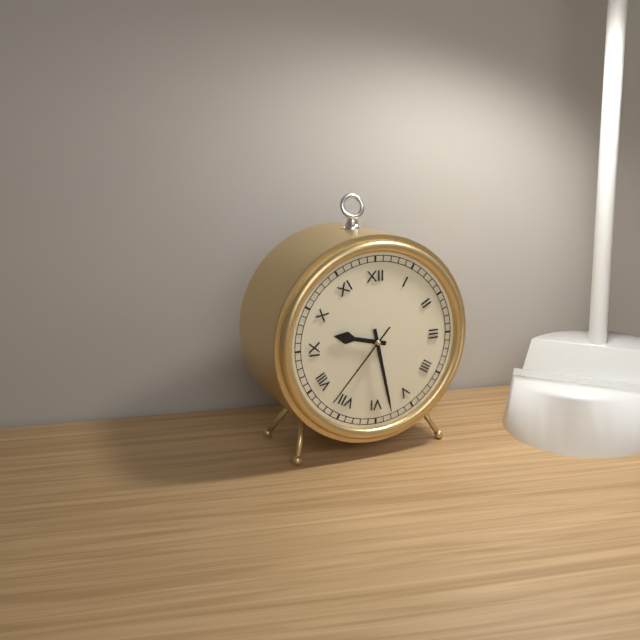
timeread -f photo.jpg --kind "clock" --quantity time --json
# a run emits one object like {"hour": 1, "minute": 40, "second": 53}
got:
{"hour": 9, "minute": 28, "second": 37}
